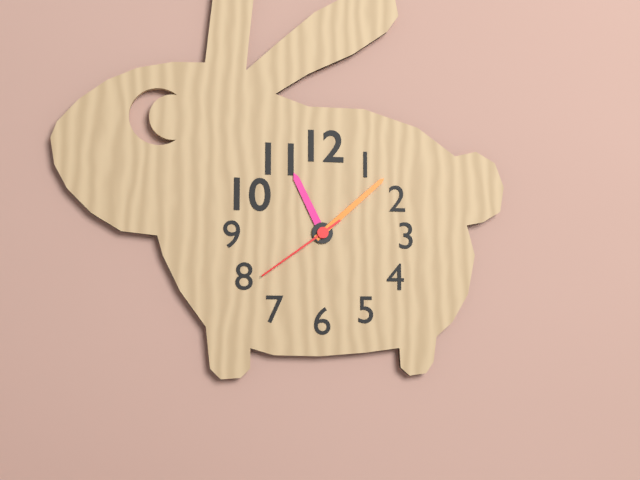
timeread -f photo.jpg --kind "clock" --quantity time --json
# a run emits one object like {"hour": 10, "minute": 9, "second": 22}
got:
{"hour": 11, "minute": 8, "second": 39}
